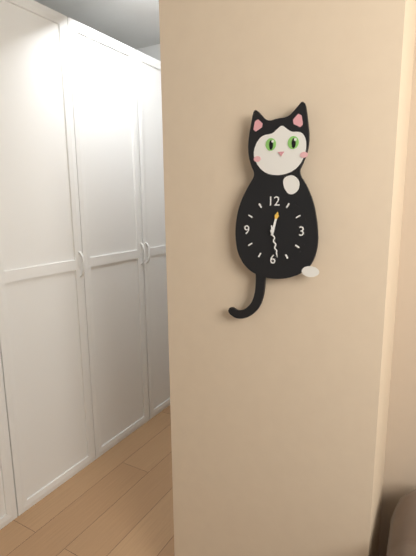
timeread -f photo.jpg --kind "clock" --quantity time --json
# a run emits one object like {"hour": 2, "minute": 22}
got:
{"hour": 12, "minute": 28}
